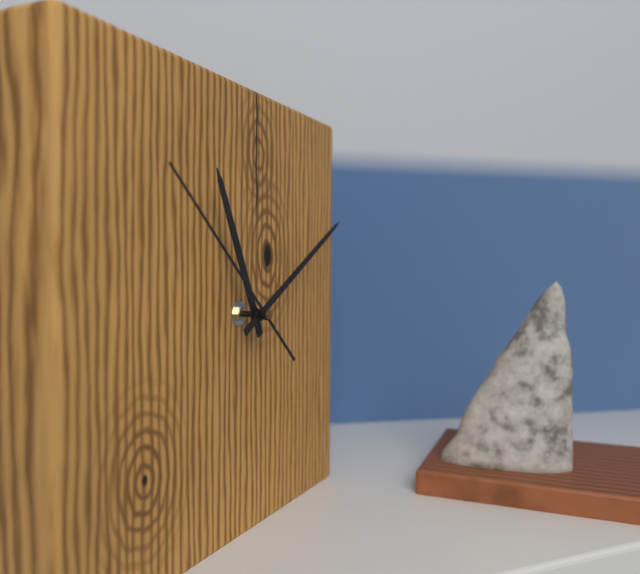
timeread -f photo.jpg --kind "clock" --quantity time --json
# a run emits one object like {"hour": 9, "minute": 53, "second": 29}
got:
{"hour": 11, "minute": 10, "second": 52}
